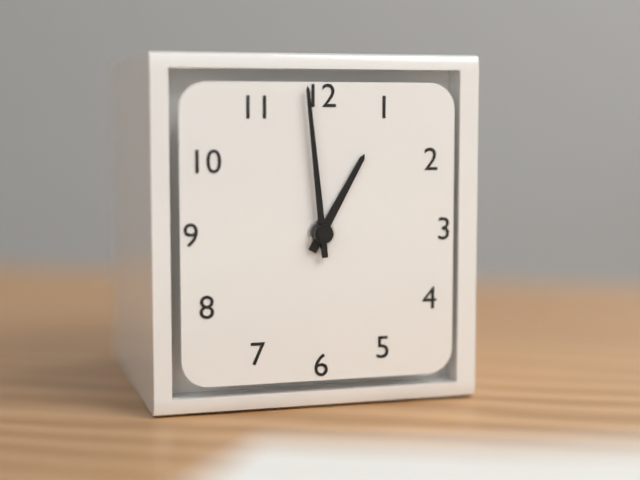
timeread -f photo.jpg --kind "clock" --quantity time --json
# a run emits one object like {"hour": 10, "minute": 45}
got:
{"hour": 12, "minute": 59}
